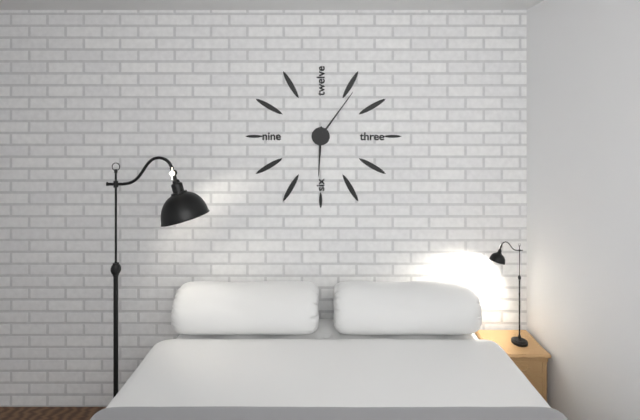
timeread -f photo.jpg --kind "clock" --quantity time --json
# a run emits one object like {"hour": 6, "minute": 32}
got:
{"hour": 6, "minute": 6}
